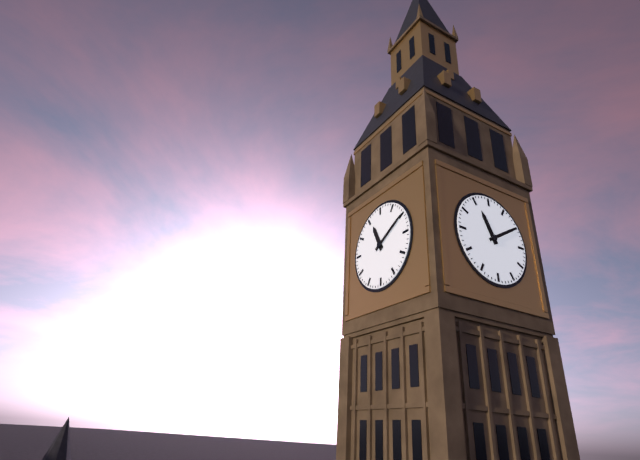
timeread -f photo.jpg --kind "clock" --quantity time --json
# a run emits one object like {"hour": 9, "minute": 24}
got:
{"hour": 11, "minute": 10}
